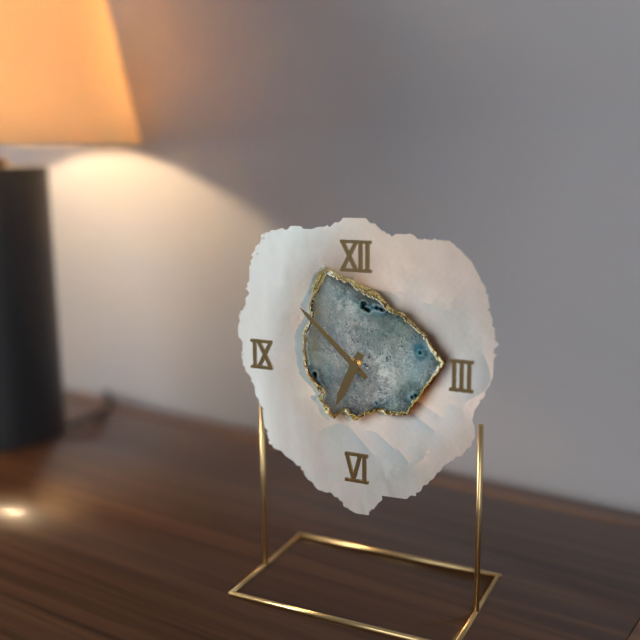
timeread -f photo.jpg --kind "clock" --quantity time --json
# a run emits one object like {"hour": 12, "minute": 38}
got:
{"hour": 6, "minute": 52}
